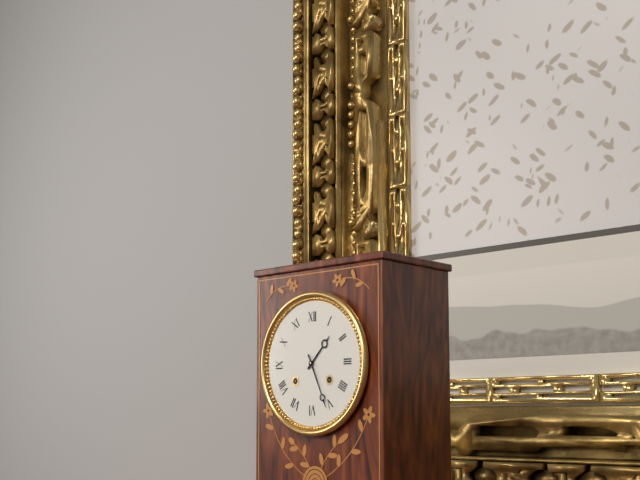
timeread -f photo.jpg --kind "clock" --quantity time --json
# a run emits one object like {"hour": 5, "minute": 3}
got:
{"hour": 1, "minute": 26}
